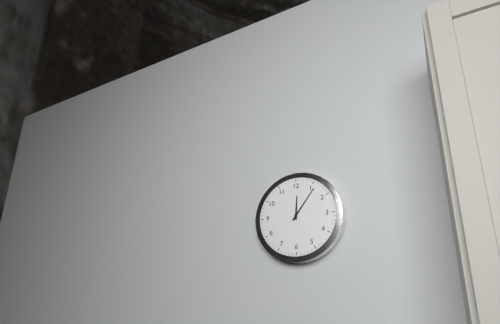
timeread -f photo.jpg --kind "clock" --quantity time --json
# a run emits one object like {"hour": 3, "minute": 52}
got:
{"hour": 12, "minute": 6}
